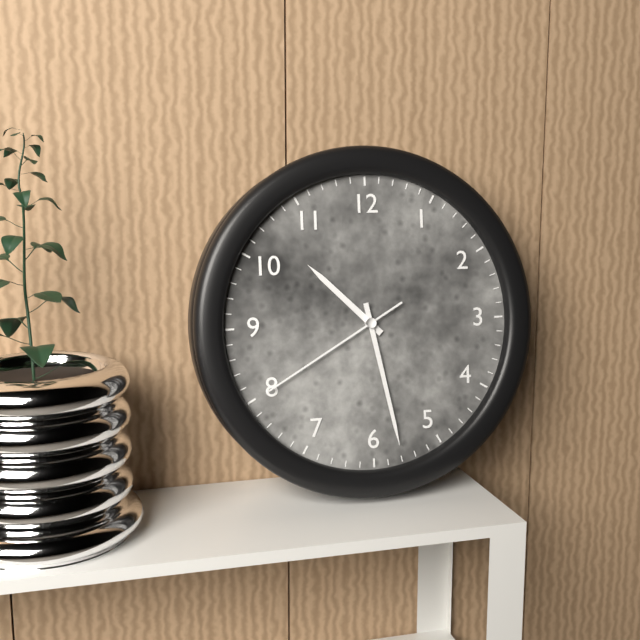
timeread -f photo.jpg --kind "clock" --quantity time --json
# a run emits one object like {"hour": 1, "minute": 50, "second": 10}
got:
{"hour": 10, "minute": 28, "second": 40}
